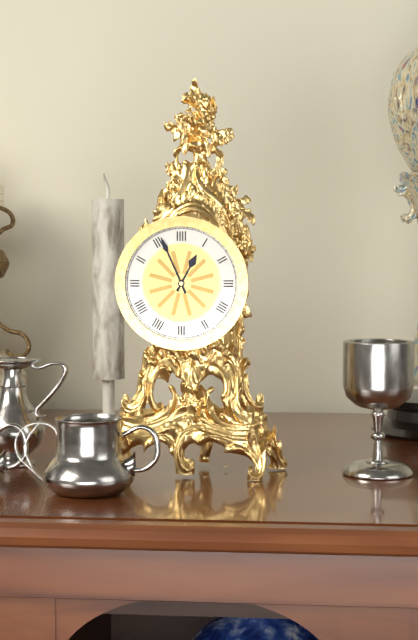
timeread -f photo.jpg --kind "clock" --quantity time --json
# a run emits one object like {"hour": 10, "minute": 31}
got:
{"hour": 12, "minute": 56}
